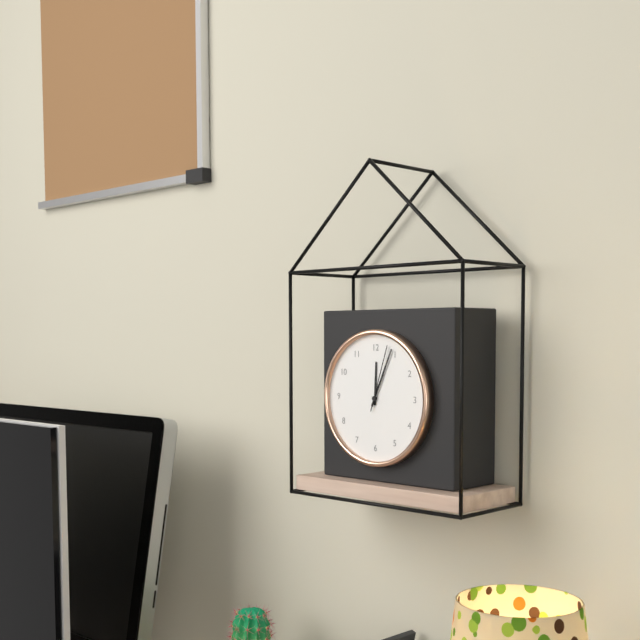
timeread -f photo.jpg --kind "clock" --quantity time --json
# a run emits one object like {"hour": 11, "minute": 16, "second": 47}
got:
{"hour": 12, "minute": 4, "second": 3}
